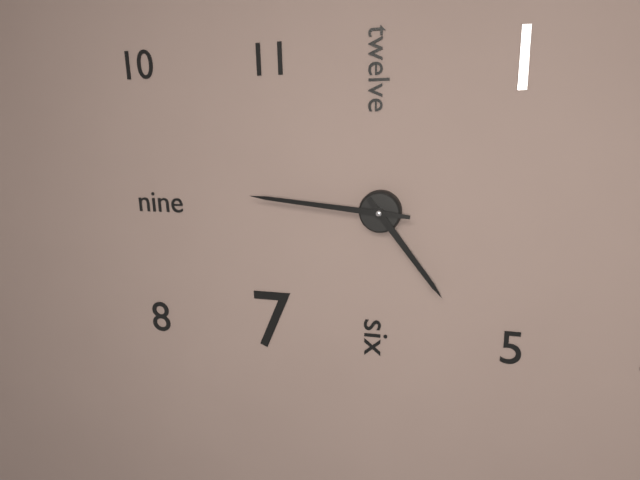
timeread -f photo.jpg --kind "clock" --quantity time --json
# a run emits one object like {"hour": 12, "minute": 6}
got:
{"hour": 4, "minute": 46}
